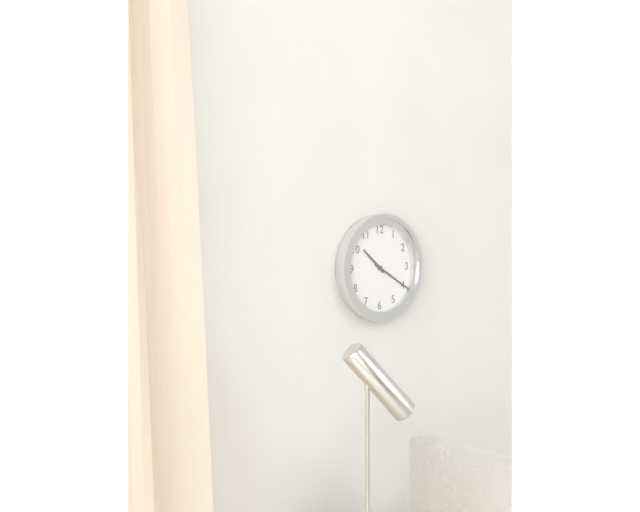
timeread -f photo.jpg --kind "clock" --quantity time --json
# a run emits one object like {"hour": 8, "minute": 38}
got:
{"hour": 10, "minute": 20}
